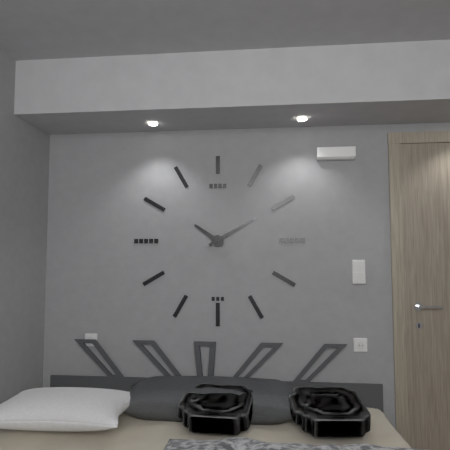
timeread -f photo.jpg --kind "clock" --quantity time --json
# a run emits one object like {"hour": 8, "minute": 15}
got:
{"hour": 10, "minute": 10}
